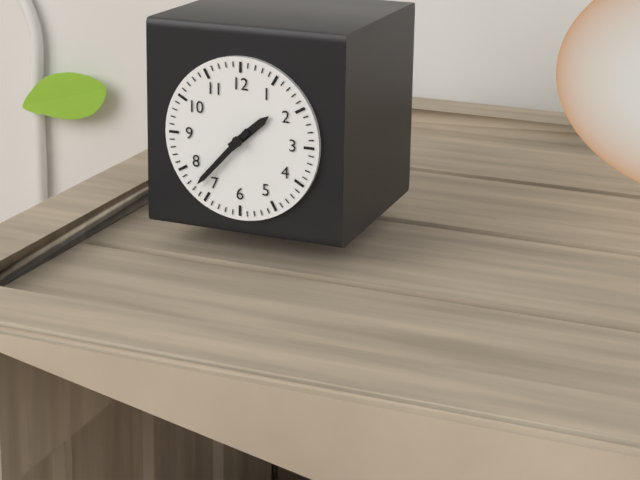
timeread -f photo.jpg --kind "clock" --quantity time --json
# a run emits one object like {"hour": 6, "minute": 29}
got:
{"hour": 1, "minute": 37}
